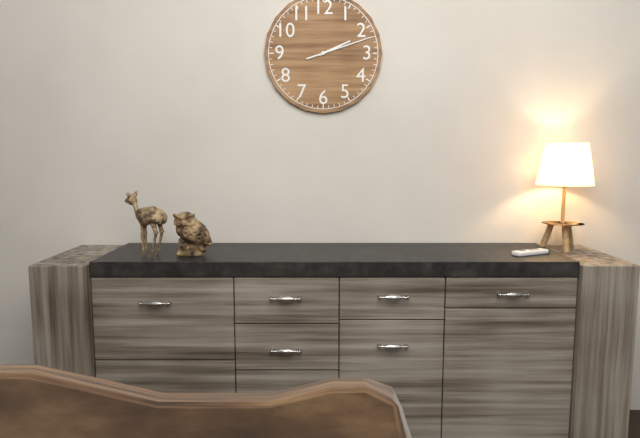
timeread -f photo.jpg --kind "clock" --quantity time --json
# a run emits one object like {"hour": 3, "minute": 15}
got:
{"hour": 2, "minute": 12}
